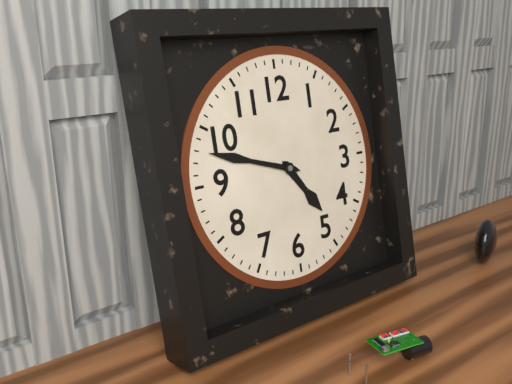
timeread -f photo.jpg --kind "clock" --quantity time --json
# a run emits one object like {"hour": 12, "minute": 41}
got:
{"hour": 4, "minute": 48}
